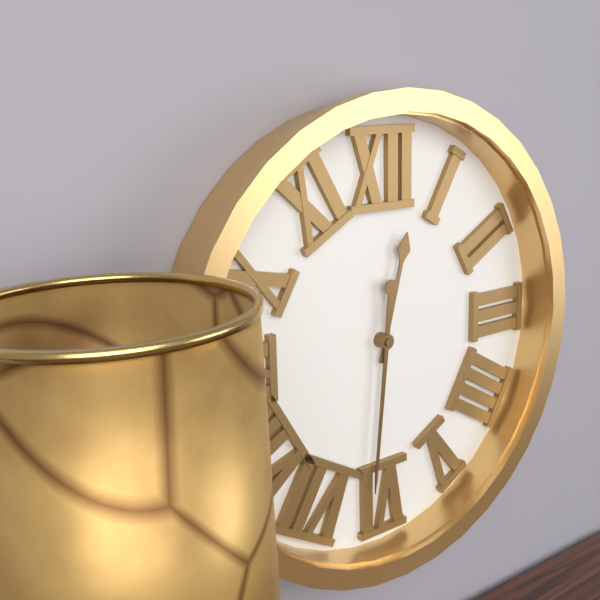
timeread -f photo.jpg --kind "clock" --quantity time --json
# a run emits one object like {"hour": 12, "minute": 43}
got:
{"hour": 12, "minute": 31}
